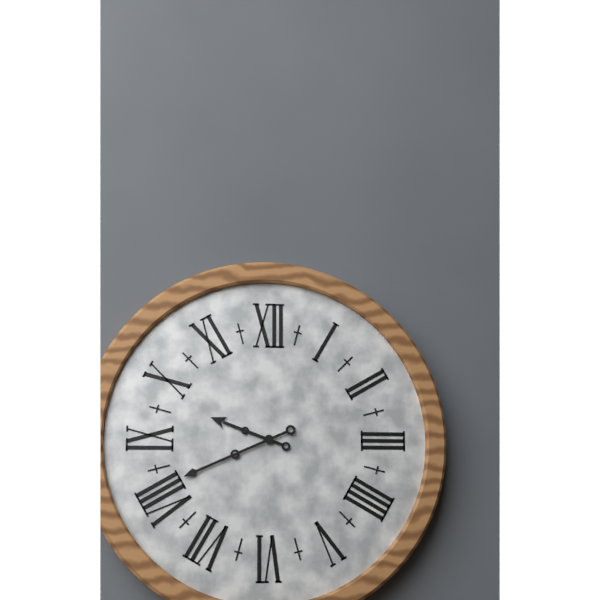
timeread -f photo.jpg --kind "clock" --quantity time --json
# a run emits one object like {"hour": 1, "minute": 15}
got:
{"hour": 9, "minute": 41}
